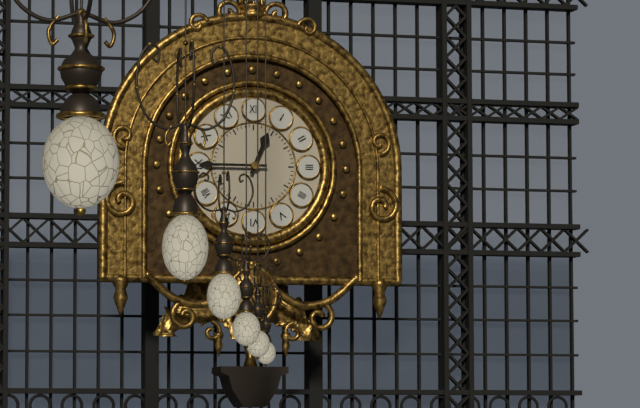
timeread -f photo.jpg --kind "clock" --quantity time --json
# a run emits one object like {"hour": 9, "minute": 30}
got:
{"hour": 12, "minute": 45}
